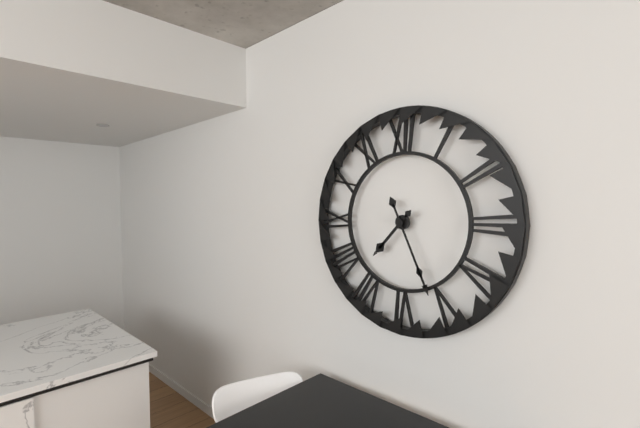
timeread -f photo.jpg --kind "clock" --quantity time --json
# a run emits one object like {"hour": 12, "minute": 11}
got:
{"hour": 7, "minute": 26}
